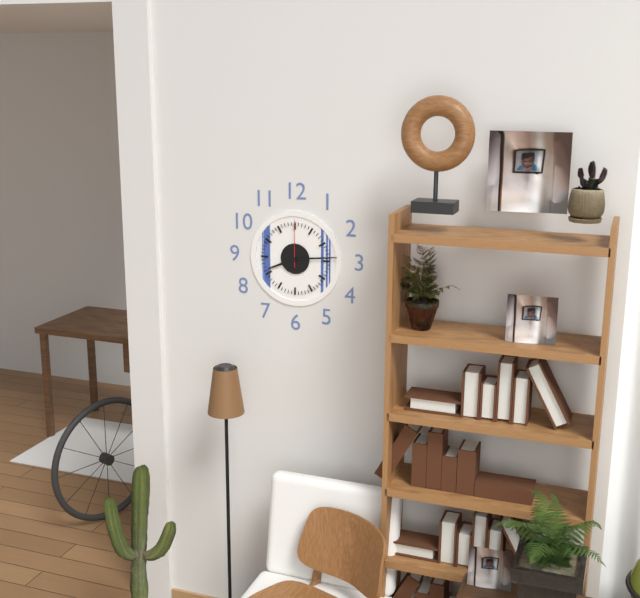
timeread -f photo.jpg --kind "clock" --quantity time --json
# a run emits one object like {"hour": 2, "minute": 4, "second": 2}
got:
{"hour": 8, "minute": 14, "second": 0}
